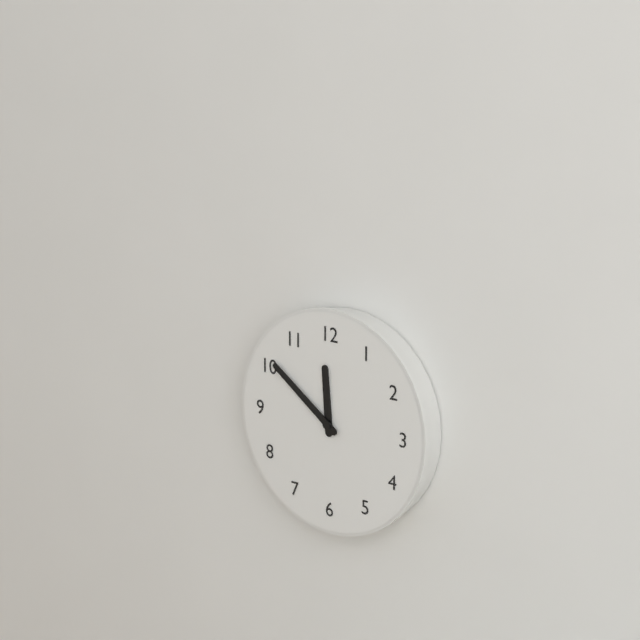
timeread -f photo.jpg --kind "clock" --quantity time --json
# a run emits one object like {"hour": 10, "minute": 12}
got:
{"hour": 11, "minute": 51}
